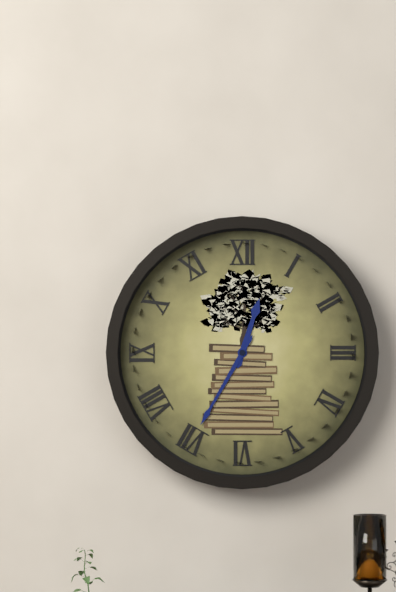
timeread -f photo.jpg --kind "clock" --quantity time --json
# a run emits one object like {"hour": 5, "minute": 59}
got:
{"hour": 12, "minute": 35}
